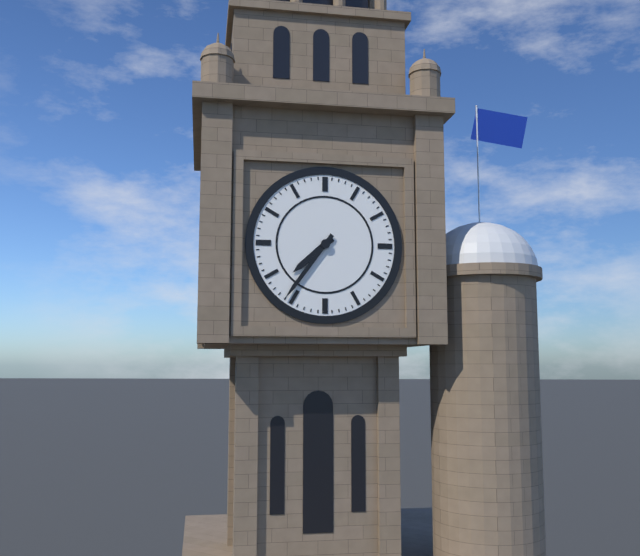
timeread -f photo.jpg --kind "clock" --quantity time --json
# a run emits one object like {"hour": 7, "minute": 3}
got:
{"hour": 7, "minute": 36}
